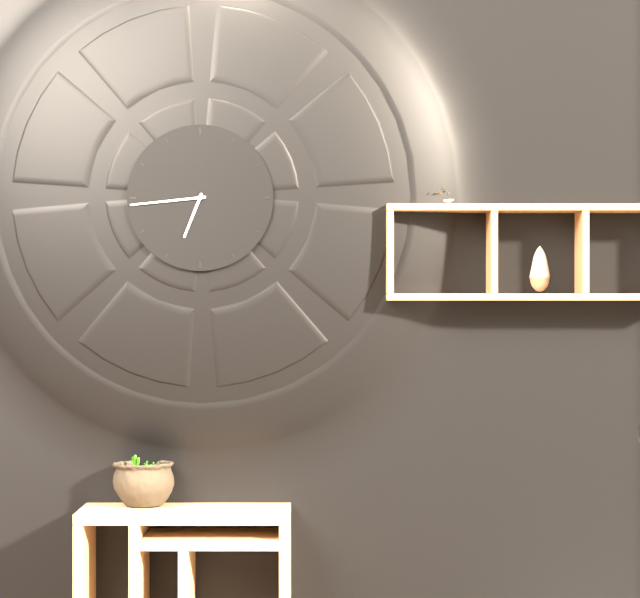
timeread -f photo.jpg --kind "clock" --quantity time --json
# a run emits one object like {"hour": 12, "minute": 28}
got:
{"hour": 6, "minute": 44}
